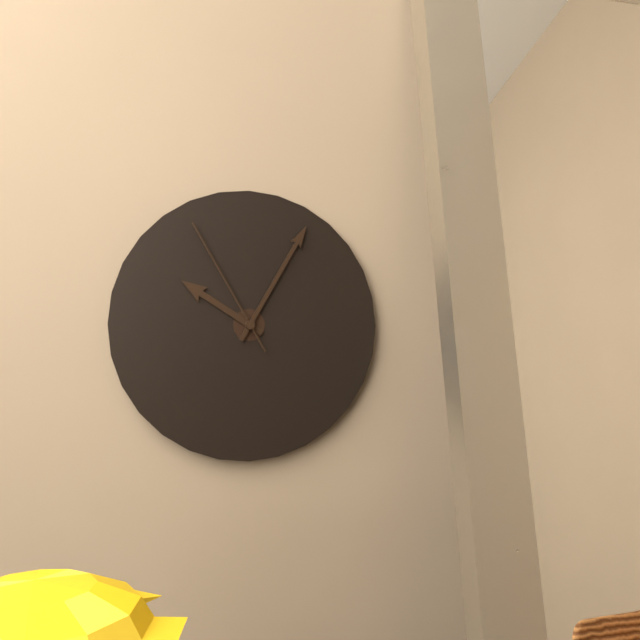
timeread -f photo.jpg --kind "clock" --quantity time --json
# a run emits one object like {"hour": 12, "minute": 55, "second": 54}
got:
{"hour": 10, "minute": 5, "second": 55}
